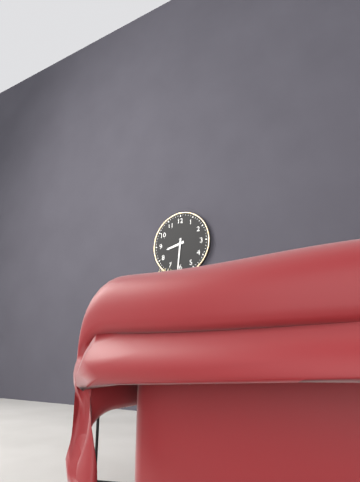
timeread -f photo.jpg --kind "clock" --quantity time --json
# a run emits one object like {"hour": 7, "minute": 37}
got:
{"hour": 8, "minute": 31}
